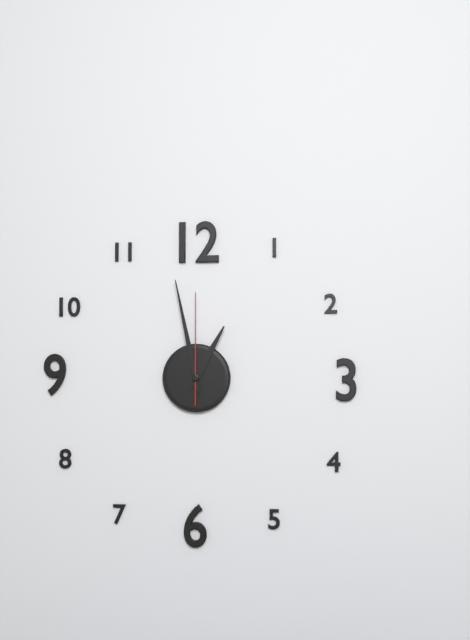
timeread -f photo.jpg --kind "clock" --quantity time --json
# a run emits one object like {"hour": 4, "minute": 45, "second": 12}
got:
{"hour": 12, "minute": 58, "second": 0}
